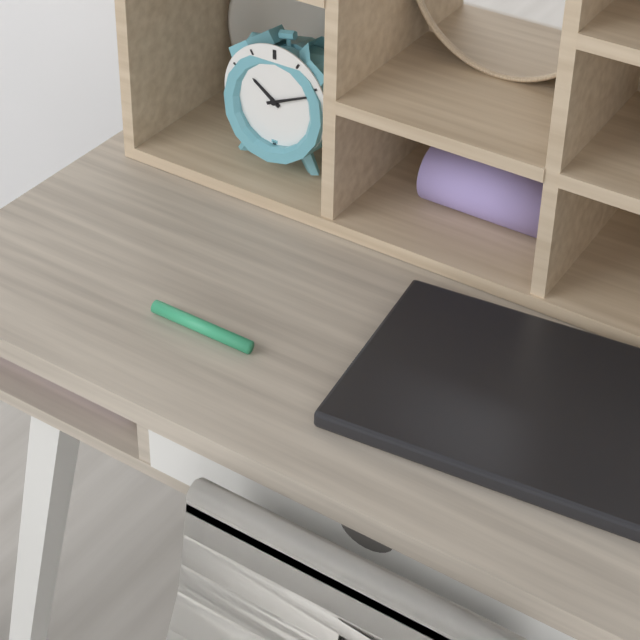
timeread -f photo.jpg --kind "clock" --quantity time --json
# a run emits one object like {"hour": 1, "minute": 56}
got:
{"hour": 10, "minute": 11}
